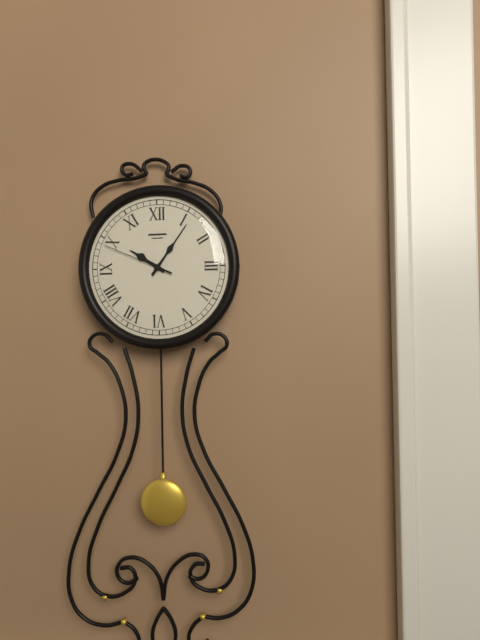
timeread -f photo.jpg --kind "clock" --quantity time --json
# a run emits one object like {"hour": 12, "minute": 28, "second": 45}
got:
{"hour": 10, "minute": 6, "second": 49}
